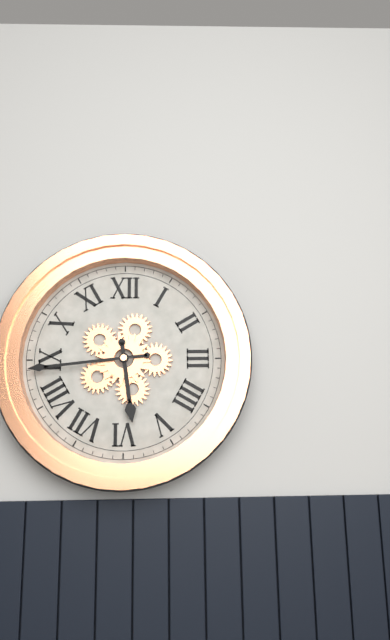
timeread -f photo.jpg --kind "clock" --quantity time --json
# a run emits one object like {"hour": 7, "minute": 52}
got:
{"hour": 5, "minute": 44}
